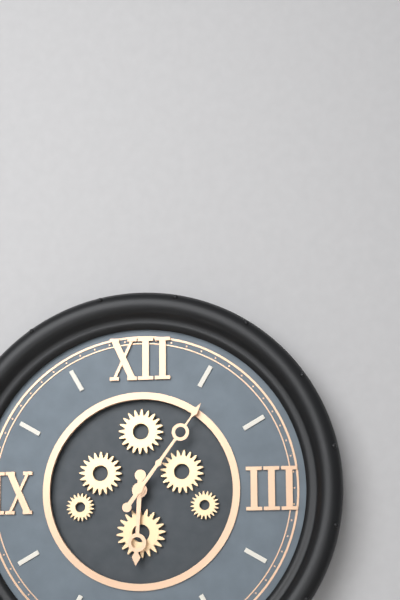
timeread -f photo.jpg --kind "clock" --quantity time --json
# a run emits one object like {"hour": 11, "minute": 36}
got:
{"hour": 6, "minute": 6}
